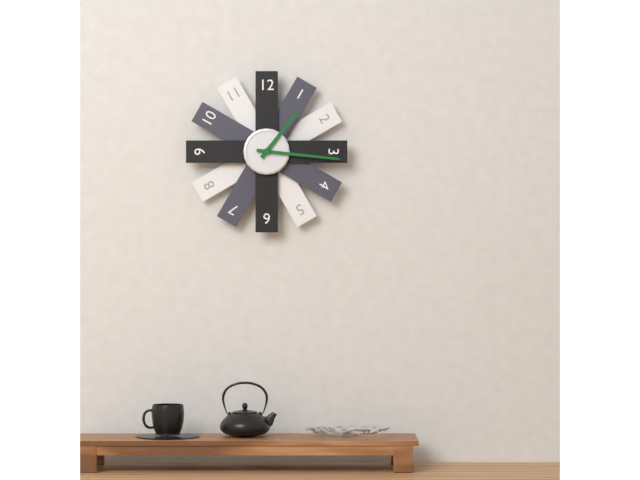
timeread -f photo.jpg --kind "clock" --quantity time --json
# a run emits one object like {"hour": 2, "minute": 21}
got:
{"hour": 1, "minute": 16}
